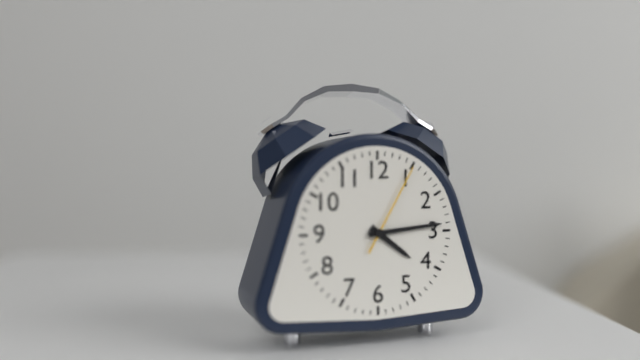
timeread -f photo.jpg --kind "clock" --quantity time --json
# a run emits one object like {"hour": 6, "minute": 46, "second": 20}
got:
{"hour": 4, "minute": 14, "second": 5}
